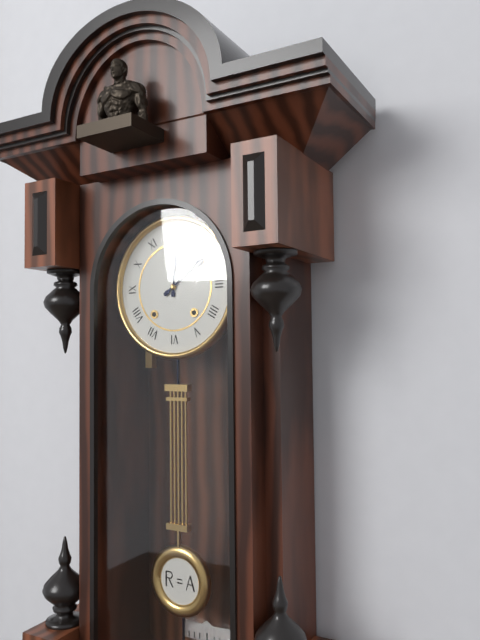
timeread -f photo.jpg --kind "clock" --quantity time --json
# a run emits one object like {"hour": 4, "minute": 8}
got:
{"hour": 12, "minute": 9}
